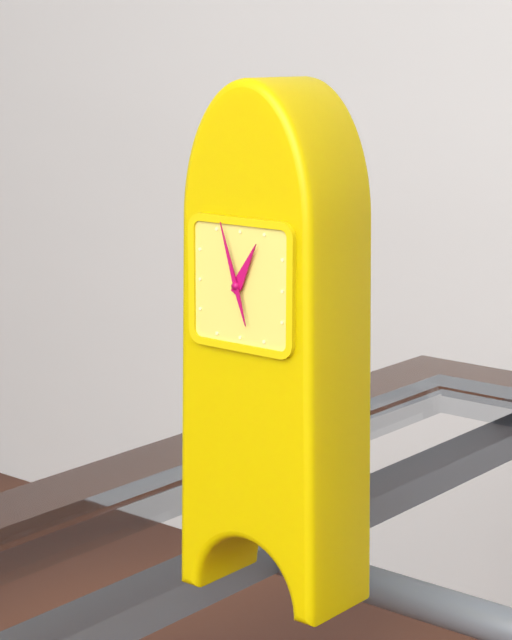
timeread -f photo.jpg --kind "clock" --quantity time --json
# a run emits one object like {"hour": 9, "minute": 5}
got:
{"hour": 12, "minute": 57}
